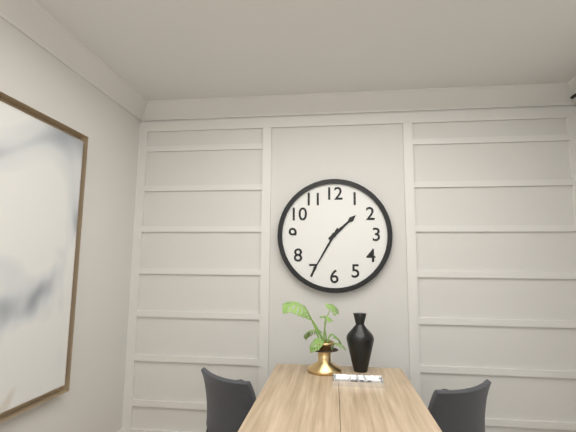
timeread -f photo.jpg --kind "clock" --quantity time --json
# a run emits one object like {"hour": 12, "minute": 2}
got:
{"hour": 1, "minute": 35}
